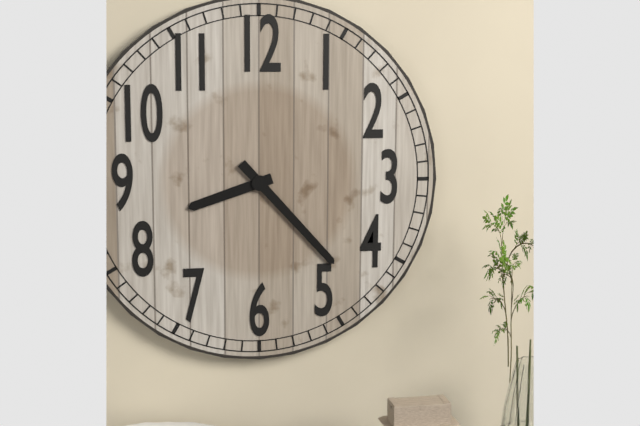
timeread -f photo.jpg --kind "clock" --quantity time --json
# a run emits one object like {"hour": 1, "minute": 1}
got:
{"hour": 8, "minute": 23}
